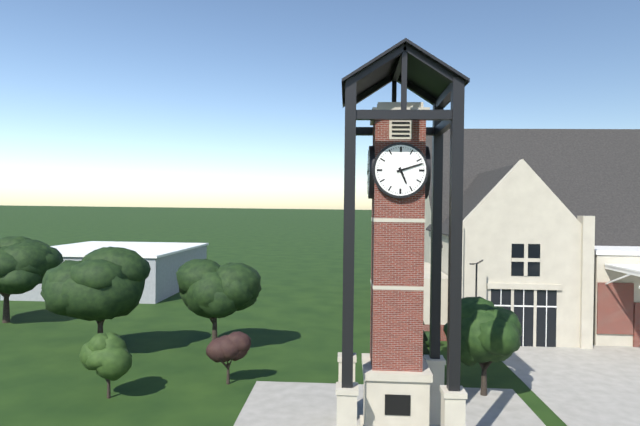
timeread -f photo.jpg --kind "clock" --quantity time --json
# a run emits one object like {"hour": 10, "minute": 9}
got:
{"hour": 5, "minute": 12}
